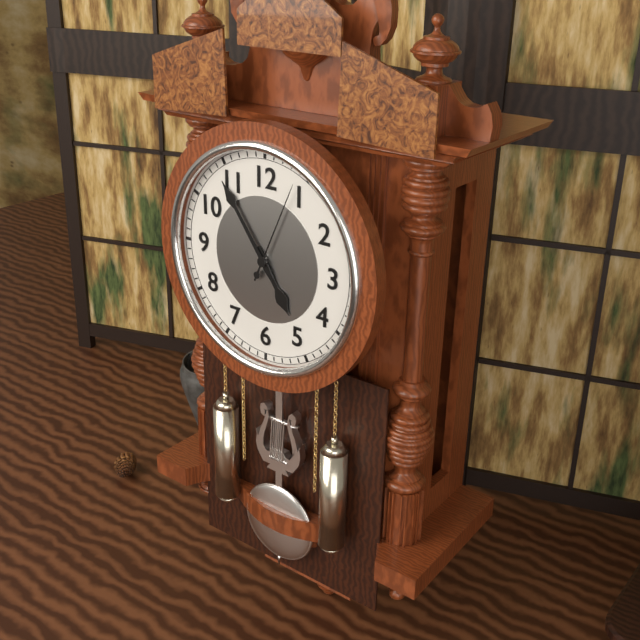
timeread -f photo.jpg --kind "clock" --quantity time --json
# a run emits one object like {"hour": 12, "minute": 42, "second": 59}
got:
{"hour": 4, "minute": 54, "second": 4}
